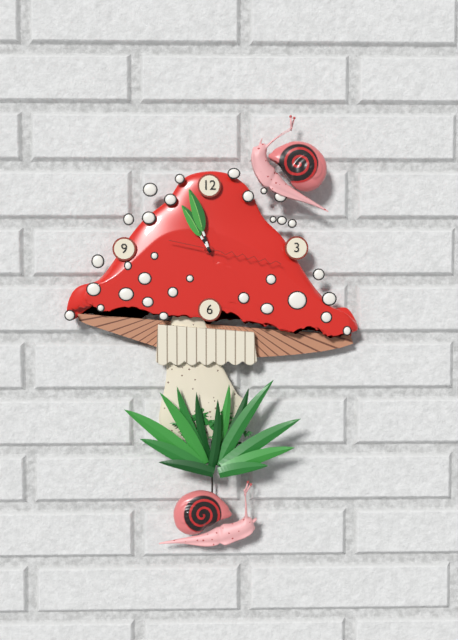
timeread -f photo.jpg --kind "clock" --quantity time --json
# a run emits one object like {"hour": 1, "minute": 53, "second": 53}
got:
{"hour": 10, "minute": 57, "second": 17}
